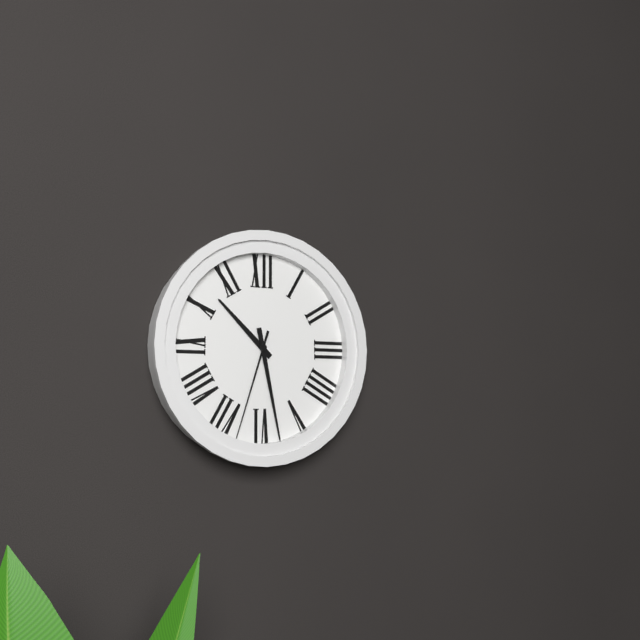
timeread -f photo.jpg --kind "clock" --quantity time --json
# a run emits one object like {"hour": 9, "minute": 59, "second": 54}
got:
{"hour": 10, "minute": 28, "second": 33}
